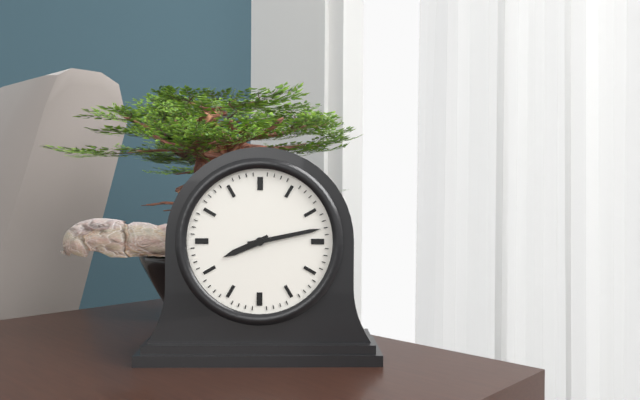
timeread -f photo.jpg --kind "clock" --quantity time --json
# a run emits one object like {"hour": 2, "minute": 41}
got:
{"hour": 8, "minute": 13}
